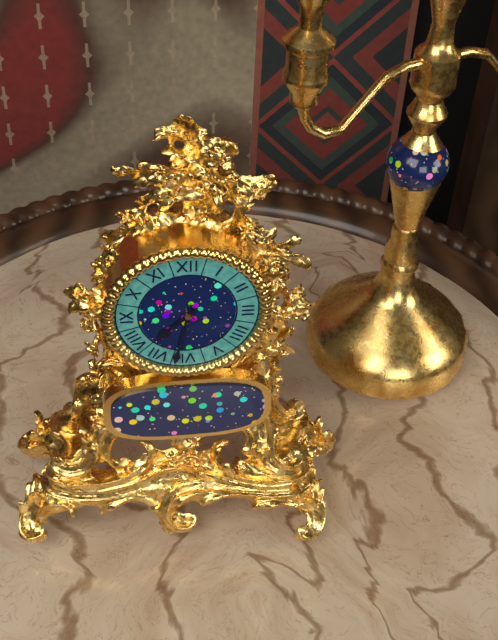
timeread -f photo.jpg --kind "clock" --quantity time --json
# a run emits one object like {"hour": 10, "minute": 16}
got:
{"hour": 7, "minute": 32}
